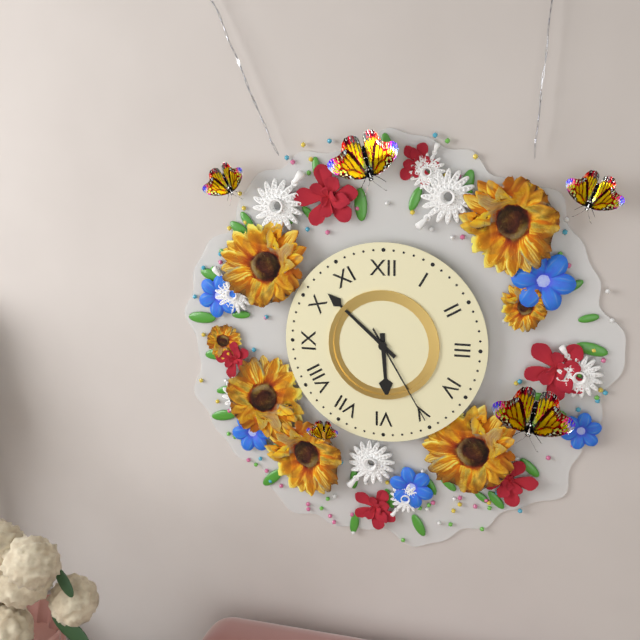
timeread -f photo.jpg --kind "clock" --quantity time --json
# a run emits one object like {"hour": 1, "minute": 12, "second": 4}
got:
{"hour": 5, "minute": 52, "second": 25}
